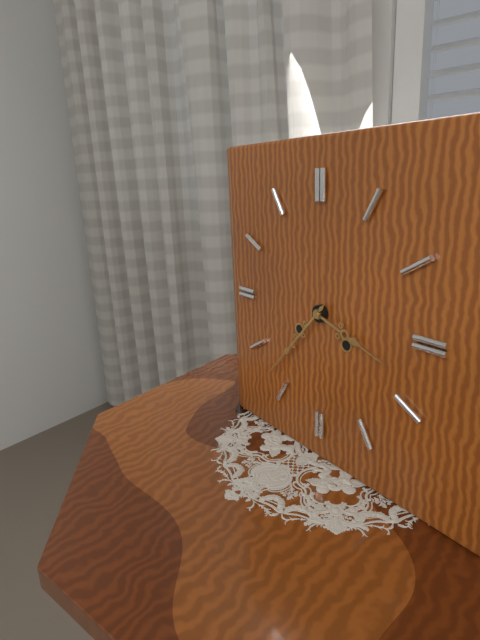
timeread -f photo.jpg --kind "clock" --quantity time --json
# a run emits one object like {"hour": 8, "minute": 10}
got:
{"hour": 3, "minute": 37}
